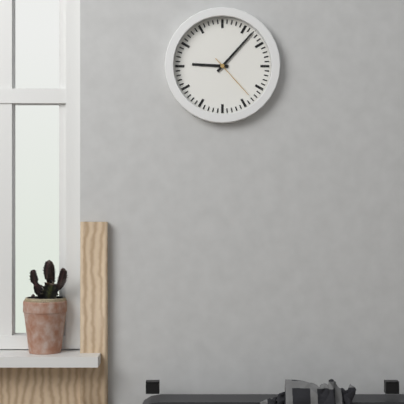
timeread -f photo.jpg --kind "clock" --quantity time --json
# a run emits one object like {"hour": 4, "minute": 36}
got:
{"hour": 9, "minute": 7}
